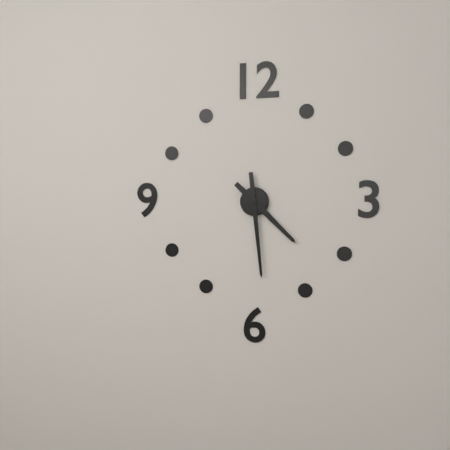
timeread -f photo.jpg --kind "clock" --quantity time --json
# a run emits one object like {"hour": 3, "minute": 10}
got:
{"hour": 4, "minute": 29}
